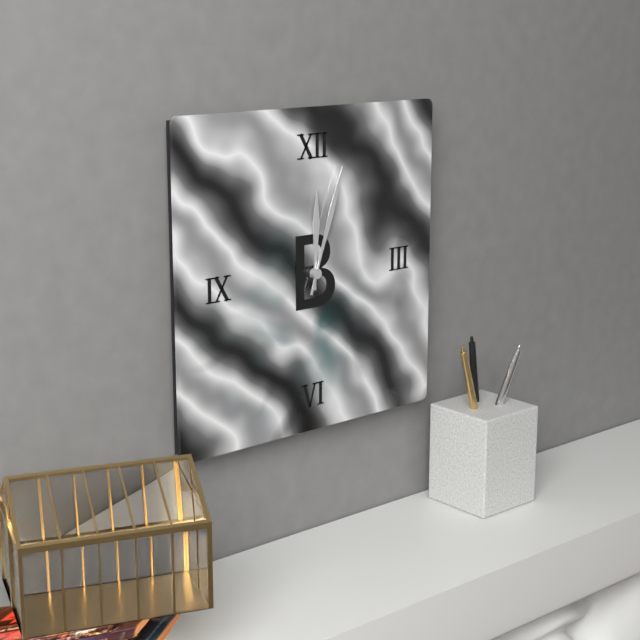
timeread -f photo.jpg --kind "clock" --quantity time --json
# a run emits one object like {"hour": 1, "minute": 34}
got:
{"hour": 12, "minute": 3}
